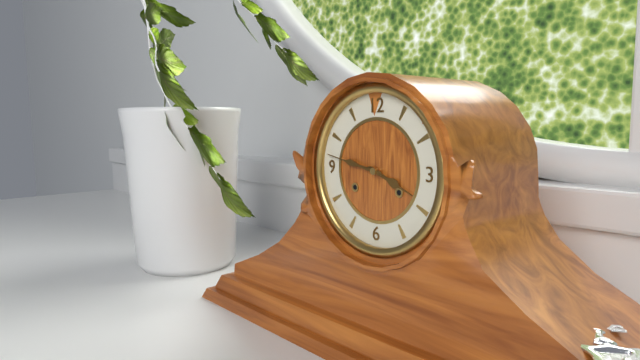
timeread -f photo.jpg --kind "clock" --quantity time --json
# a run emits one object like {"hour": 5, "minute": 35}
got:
{"hour": 3, "minute": 47}
